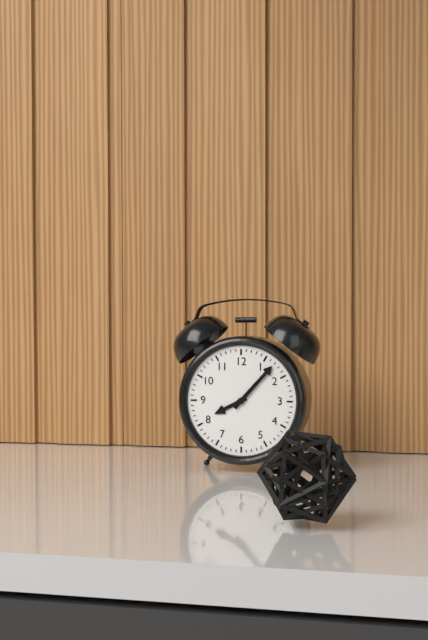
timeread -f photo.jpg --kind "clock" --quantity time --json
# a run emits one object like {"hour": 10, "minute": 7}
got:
{"hour": 8, "minute": 7}
